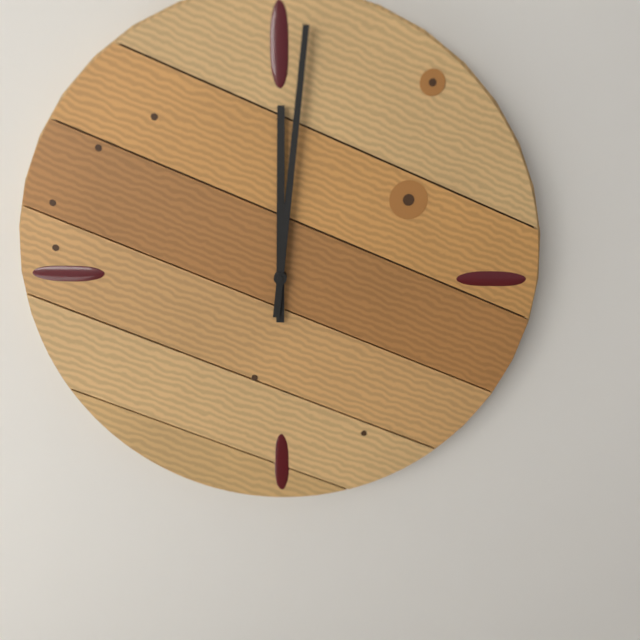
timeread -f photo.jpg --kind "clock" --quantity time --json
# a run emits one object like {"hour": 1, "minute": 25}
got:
{"hour": 12, "minute": 1}
